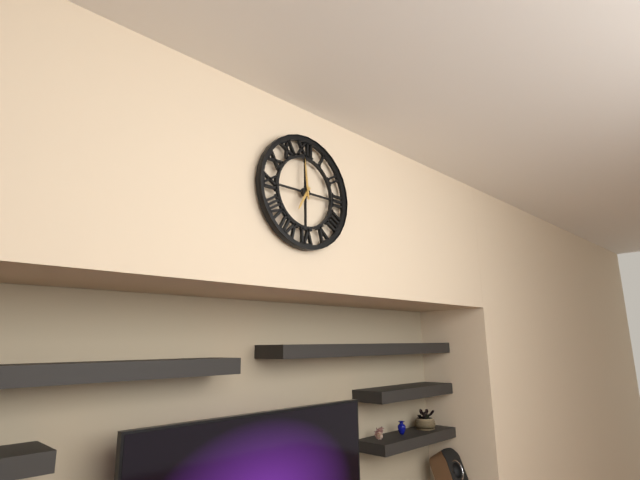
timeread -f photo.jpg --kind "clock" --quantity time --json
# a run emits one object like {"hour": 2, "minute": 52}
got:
{"hour": 6, "minute": 59}
